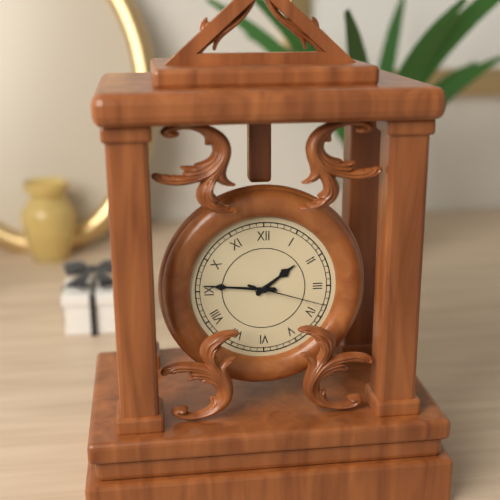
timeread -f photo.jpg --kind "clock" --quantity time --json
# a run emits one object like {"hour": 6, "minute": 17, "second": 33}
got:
{"hour": 1, "minute": 46, "second": 18}
